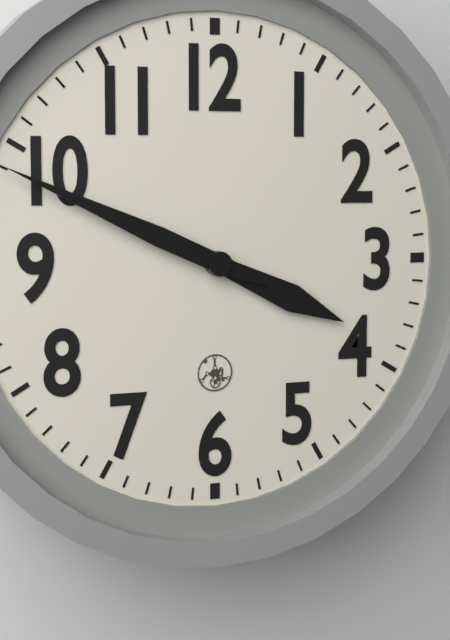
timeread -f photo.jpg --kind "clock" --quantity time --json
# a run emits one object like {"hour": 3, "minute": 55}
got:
{"hour": 3, "minute": 49}
